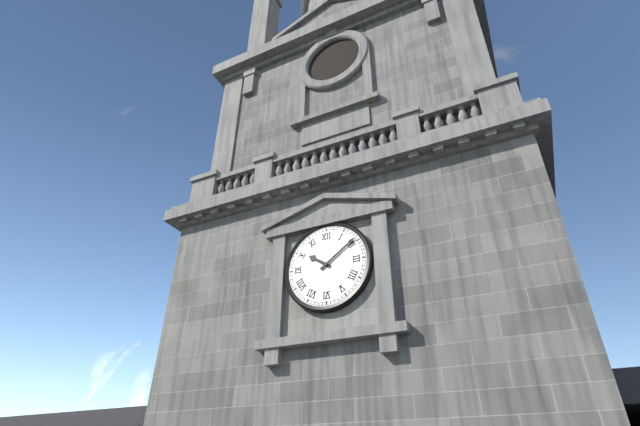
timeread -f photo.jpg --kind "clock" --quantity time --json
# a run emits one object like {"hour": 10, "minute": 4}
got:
{"hour": 10, "minute": 9}
